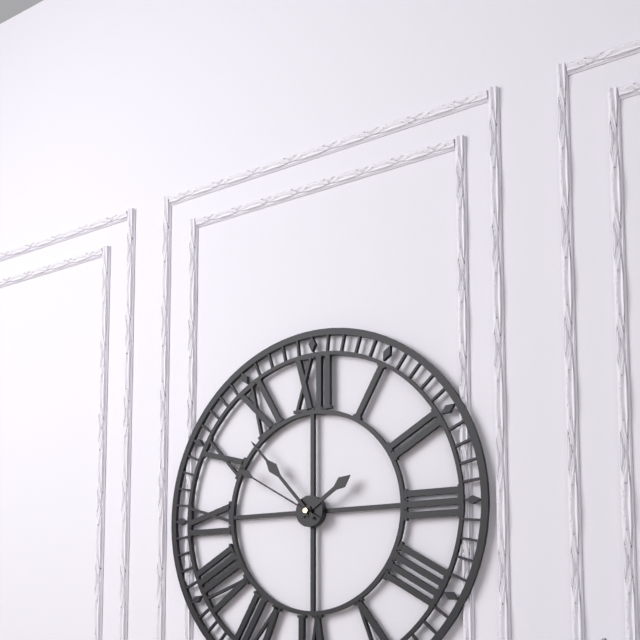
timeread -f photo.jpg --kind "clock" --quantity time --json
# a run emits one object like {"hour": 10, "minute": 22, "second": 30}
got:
{"hour": 1, "minute": 53, "second": 50}
